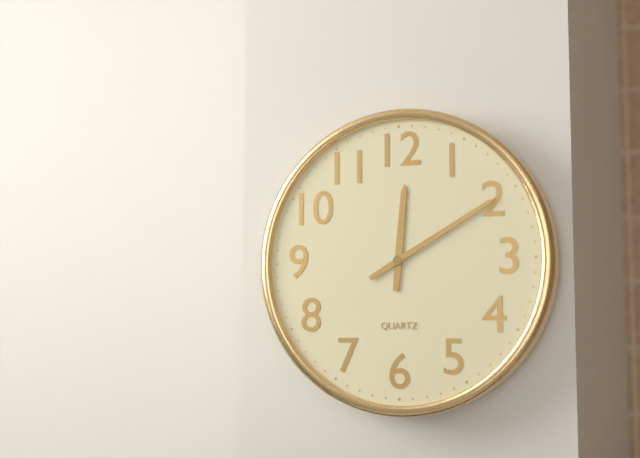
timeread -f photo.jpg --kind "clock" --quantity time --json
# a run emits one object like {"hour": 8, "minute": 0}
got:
{"hour": 12, "minute": 10}
